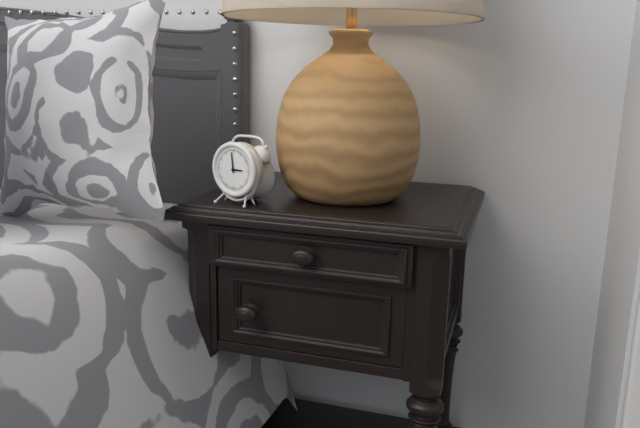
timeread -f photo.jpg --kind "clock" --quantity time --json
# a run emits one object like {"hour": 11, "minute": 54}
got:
{"hour": 2, "minute": 59}
